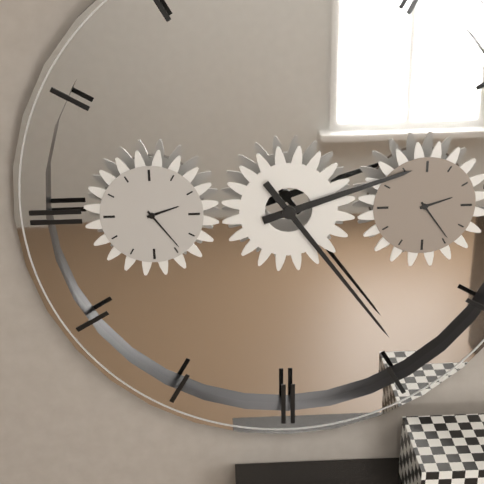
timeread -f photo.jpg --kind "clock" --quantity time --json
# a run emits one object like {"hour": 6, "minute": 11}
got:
{"hour": 2, "minute": 24}
